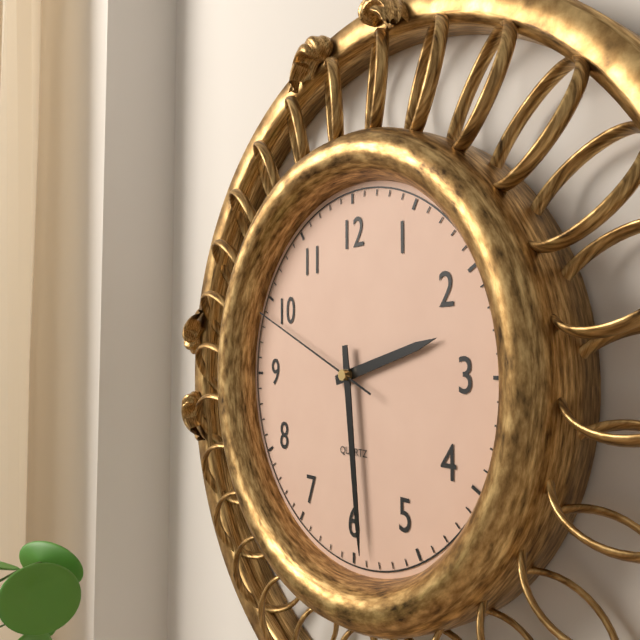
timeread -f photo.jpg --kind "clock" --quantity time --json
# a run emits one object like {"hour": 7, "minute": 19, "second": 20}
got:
{"hour": 2, "minute": 29, "second": 49}
